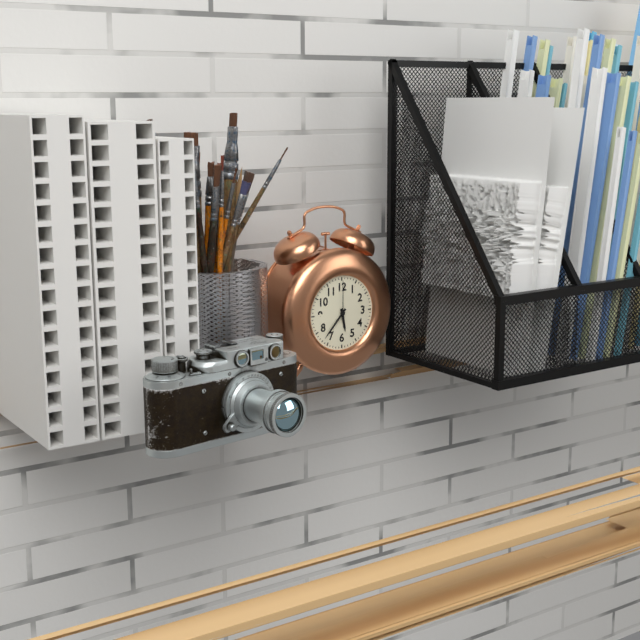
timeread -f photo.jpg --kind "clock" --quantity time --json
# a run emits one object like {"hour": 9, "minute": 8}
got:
{"hour": 5, "minute": 37}
